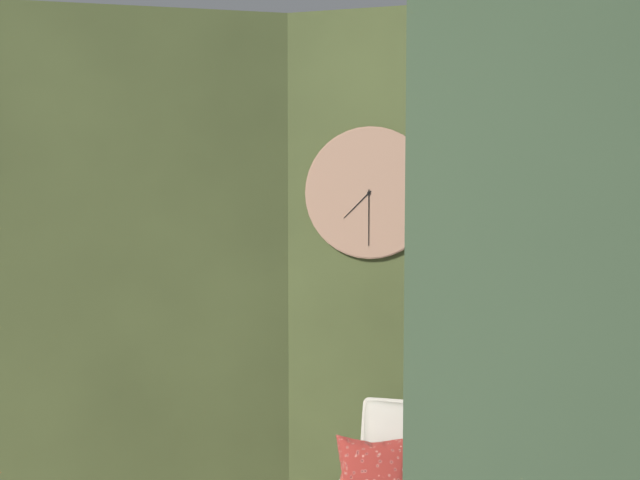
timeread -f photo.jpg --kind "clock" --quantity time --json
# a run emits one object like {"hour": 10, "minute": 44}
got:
{"hour": 7, "minute": 30}
